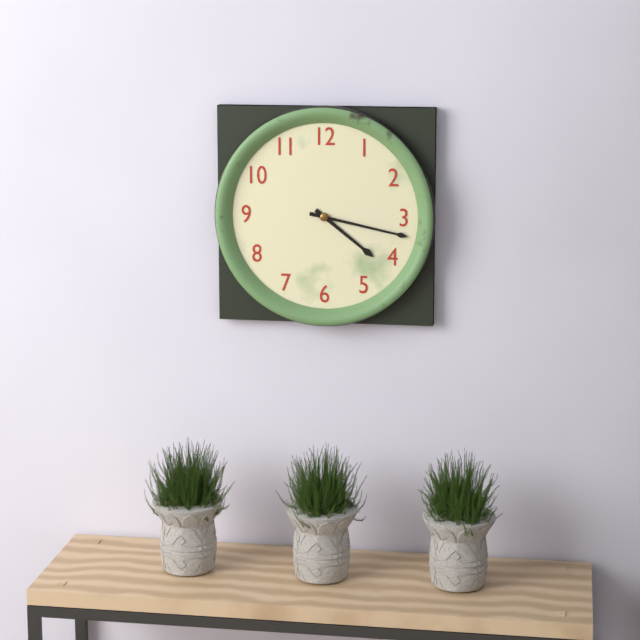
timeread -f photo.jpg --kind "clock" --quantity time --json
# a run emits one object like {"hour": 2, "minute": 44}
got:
{"hour": 4, "minute": 17}
